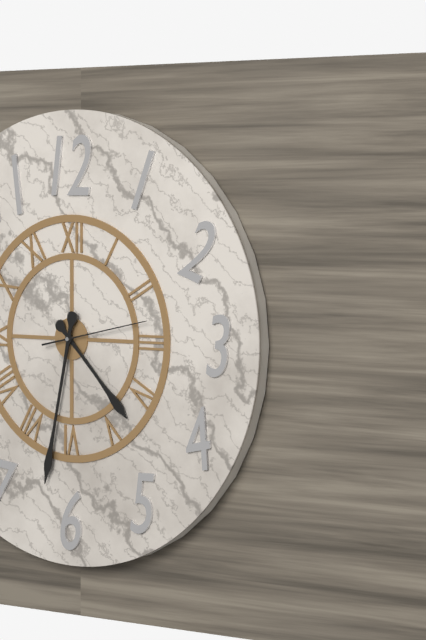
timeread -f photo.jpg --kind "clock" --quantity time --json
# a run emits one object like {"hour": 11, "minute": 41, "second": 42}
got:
{"hour": 4, "minute": 32, "second": 13}
